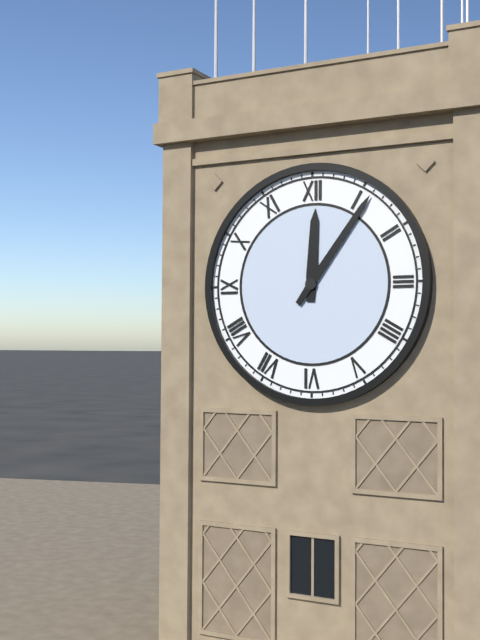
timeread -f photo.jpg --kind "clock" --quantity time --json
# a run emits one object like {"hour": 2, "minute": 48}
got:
{"hour": 12, "minute": 6}
